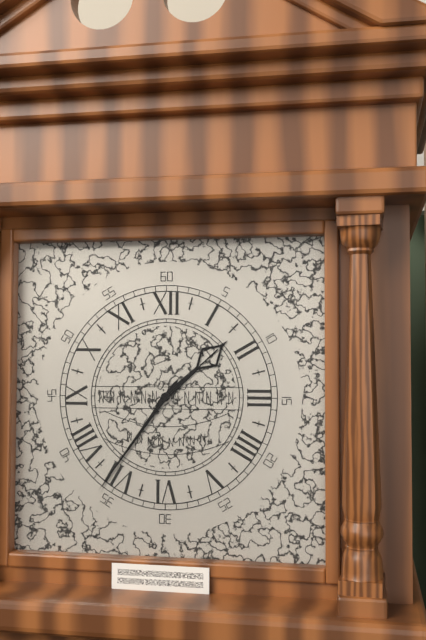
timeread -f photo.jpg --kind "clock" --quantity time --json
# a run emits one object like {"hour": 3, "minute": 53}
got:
{"hour": 1, "minute": 36}
